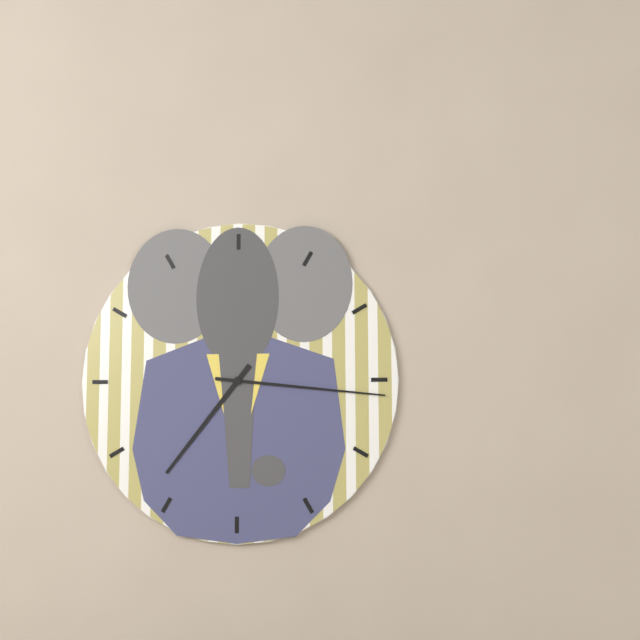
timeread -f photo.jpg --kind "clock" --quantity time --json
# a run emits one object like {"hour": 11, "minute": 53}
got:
{"hour": 7, "minute": 16}
